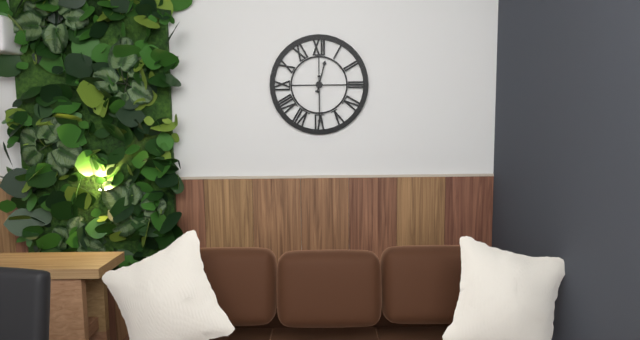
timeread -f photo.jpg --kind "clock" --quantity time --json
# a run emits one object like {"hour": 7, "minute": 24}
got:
{"hour": 12, "minute": 30}
